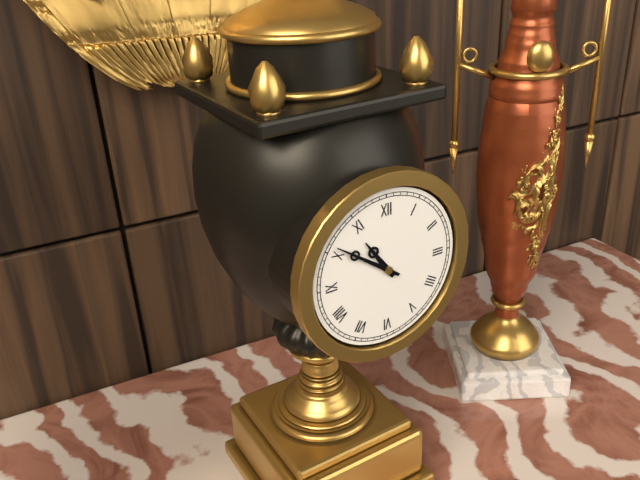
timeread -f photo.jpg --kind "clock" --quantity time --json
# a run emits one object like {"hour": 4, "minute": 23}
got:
{"hour": 10, "minute": 51}
